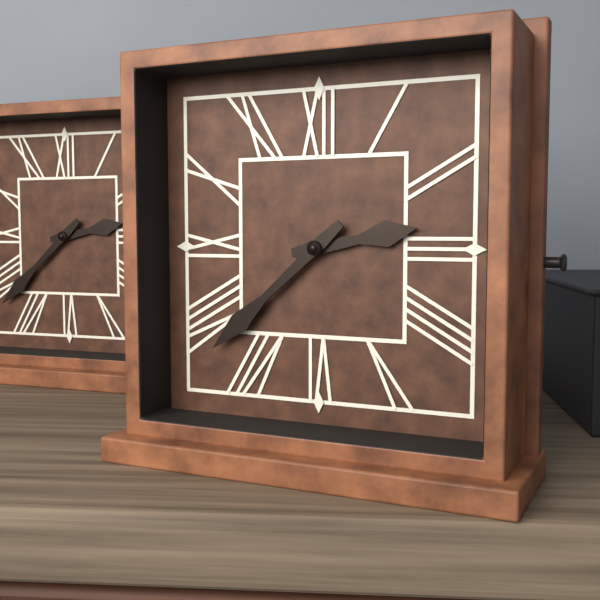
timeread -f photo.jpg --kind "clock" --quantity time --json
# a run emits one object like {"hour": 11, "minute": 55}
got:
{"hour": 2, "minute": 38}
